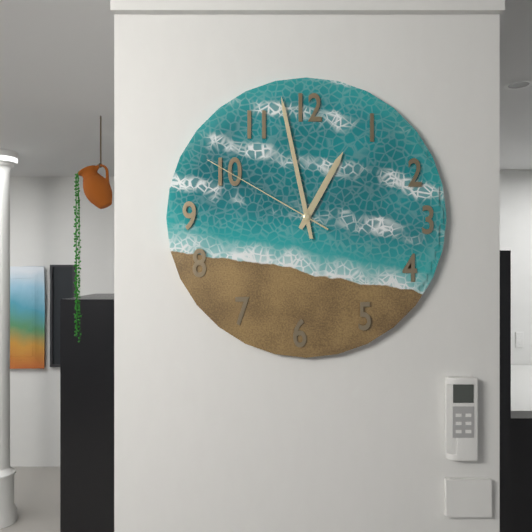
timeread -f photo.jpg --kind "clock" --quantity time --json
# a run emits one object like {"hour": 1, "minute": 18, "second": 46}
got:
{"hour": 12, "minute": 58, "second": 50}
